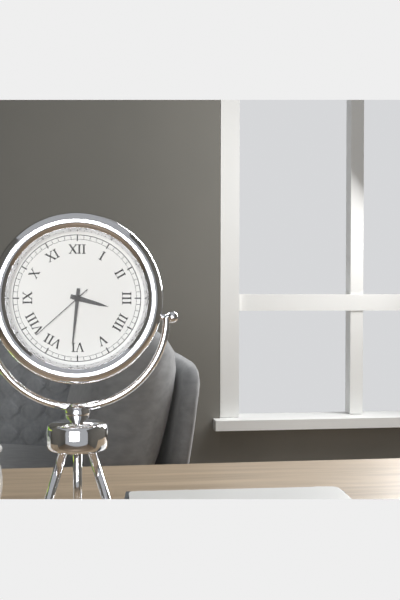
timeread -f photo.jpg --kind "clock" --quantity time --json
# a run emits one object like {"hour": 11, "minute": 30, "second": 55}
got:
{"hour": 3, "minute": 31, "second": 38}
